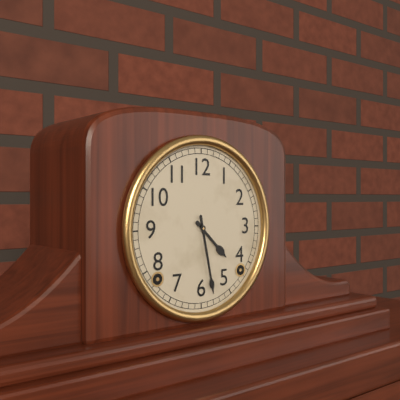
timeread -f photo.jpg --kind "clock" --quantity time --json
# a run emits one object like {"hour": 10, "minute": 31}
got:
{"hour": 4, "minute": 28}
